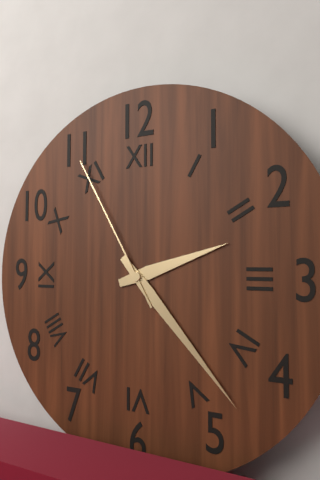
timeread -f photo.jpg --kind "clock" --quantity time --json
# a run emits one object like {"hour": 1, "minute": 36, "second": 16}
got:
{"hour": 2, "minute": 23, "second": 55}
